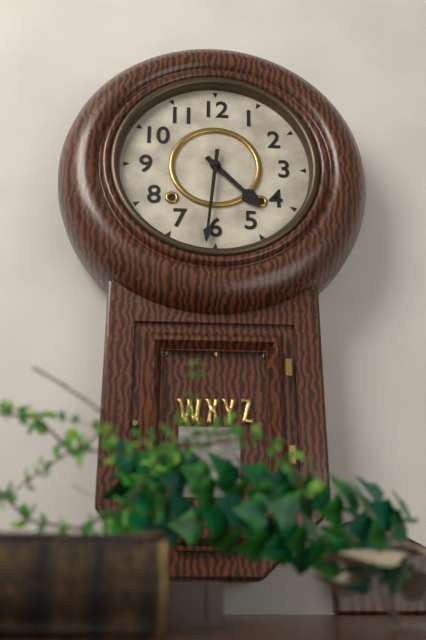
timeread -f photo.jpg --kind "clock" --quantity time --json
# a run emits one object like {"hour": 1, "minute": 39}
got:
{"hour": 4, "minute": 31}
